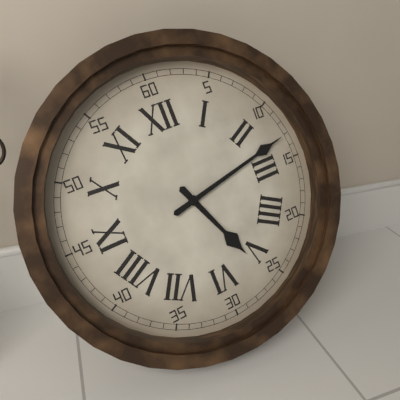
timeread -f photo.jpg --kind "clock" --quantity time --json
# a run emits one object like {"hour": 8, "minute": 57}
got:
{"hour": 5, "minute": 13}
